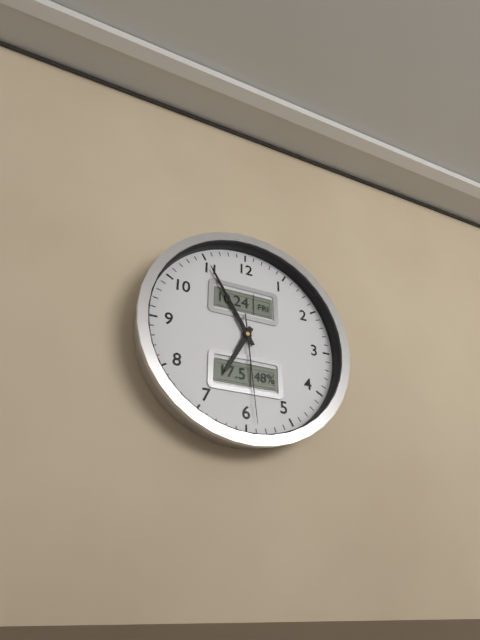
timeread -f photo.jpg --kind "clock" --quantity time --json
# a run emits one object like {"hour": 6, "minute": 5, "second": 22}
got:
{"hour": 6, "minute": 55, "second": 29}
